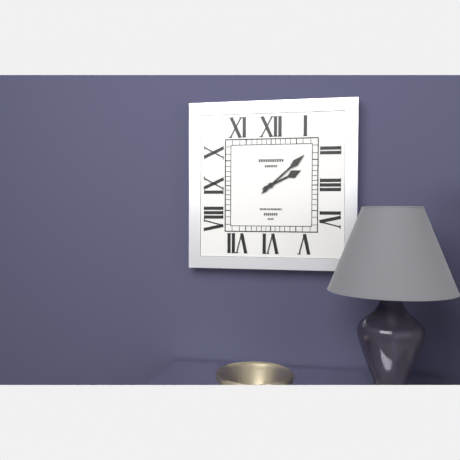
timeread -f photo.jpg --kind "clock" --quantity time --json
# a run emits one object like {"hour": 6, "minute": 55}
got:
{"hour": 2, "minute": 8}
